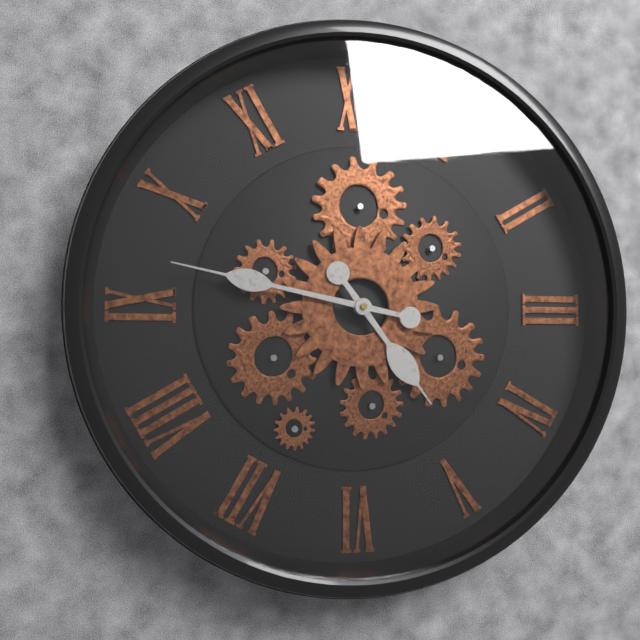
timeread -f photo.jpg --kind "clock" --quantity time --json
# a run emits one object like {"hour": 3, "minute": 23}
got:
{"hour": 4, "minute": 47}
